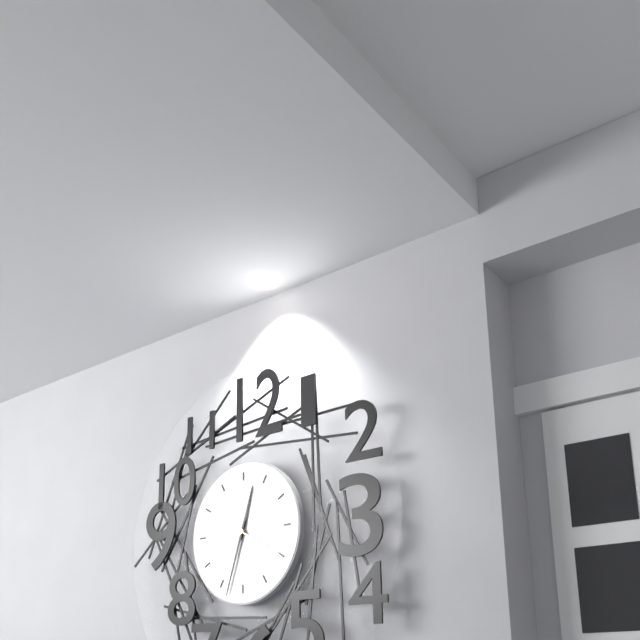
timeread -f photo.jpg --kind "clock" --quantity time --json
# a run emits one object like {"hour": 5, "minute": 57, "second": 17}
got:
{"hour": 12, "minute": 33, "second": 20}
